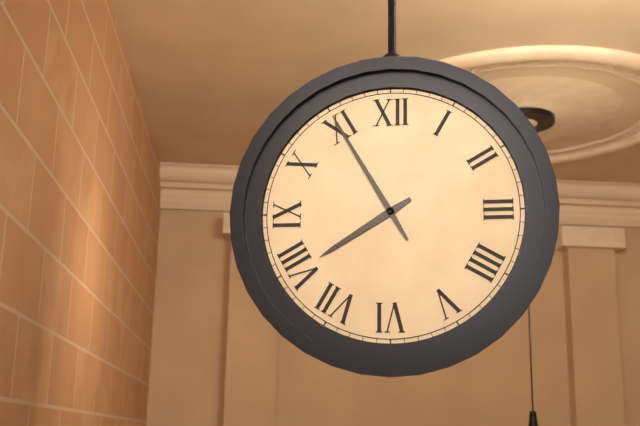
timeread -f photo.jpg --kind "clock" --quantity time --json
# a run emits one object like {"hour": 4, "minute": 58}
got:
{"hour": 7, "minute": 55}
